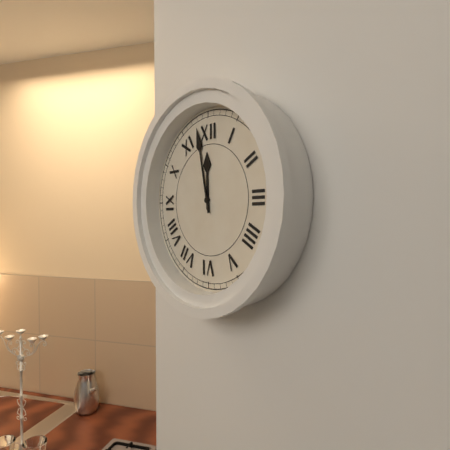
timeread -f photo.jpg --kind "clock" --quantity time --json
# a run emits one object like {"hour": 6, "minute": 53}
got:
{"hour": 11, "minute": 58}
